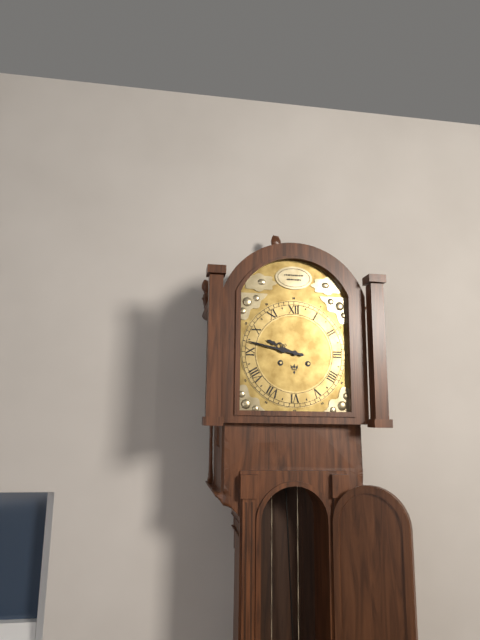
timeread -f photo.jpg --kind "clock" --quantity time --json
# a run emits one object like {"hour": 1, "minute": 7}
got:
{"hour": 9, "minute": 47}
